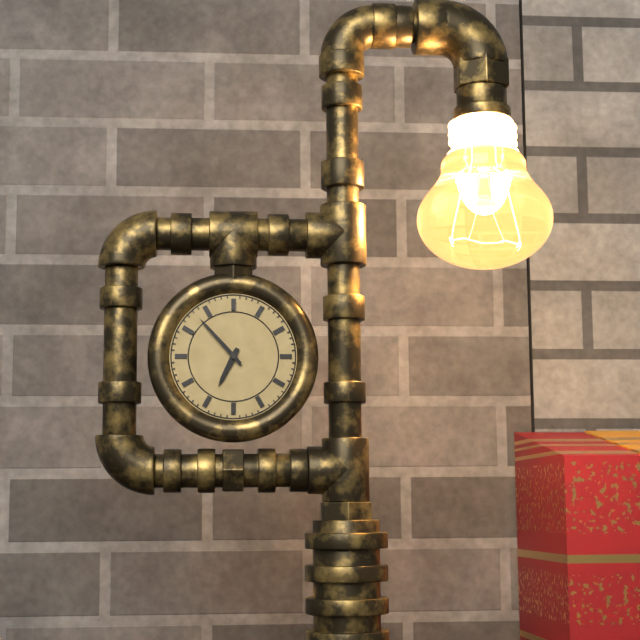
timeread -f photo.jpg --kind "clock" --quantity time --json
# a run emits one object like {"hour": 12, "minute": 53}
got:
{"hour": 6, "minute": 53}
